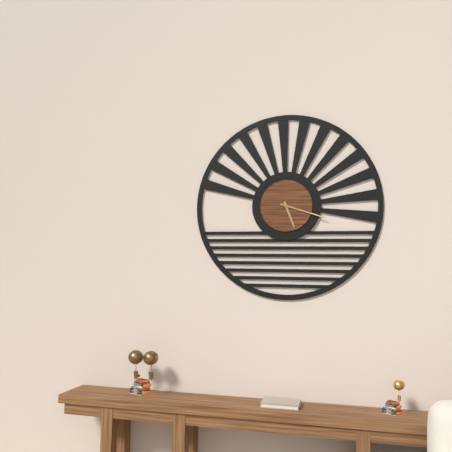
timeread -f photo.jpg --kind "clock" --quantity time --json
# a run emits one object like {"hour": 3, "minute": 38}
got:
{"hour": 5, "minute": 18}
